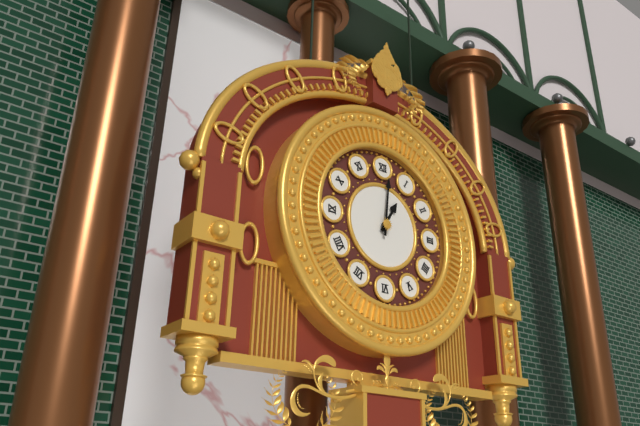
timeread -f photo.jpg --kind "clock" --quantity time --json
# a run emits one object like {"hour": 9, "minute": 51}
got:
{"hour": 1, "minute": 1}
